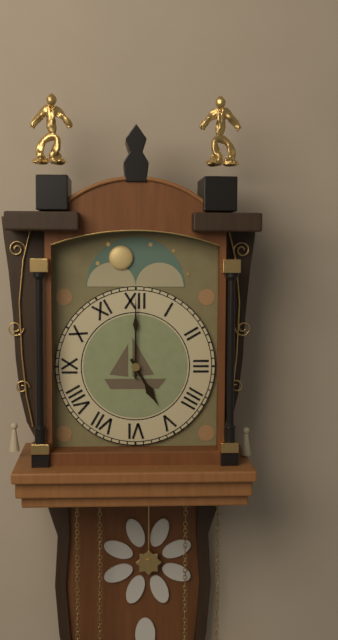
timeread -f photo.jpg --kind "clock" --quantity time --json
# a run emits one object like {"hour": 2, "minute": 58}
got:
{"hour": 5, "minute": 0}
